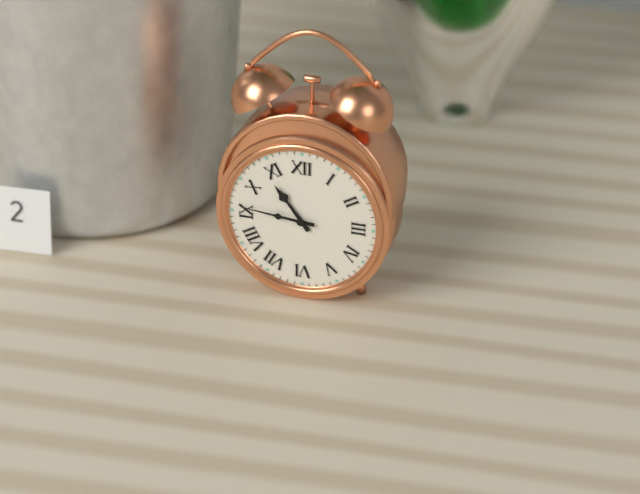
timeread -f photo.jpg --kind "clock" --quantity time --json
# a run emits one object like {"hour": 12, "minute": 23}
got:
{"hour": 10, "minute": 46}
